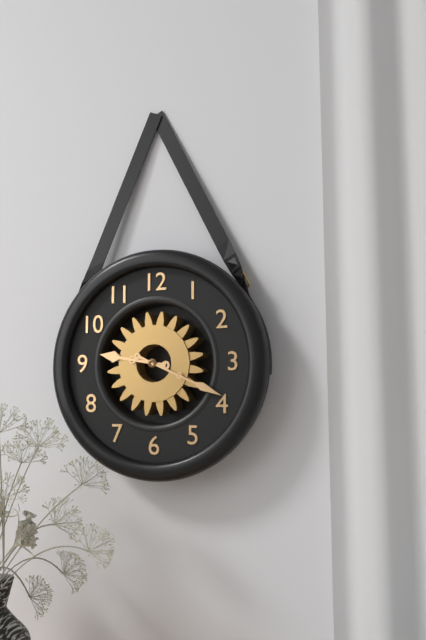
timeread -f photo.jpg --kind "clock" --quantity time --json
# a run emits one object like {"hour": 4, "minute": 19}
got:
{"hour": 9, "minute": 19}
